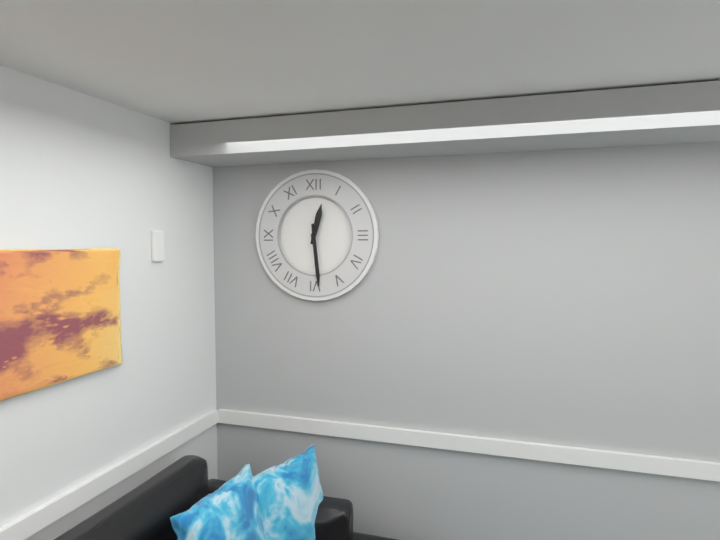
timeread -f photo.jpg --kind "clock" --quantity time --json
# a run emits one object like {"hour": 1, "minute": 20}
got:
{"hour": 12, "minute": 29}
